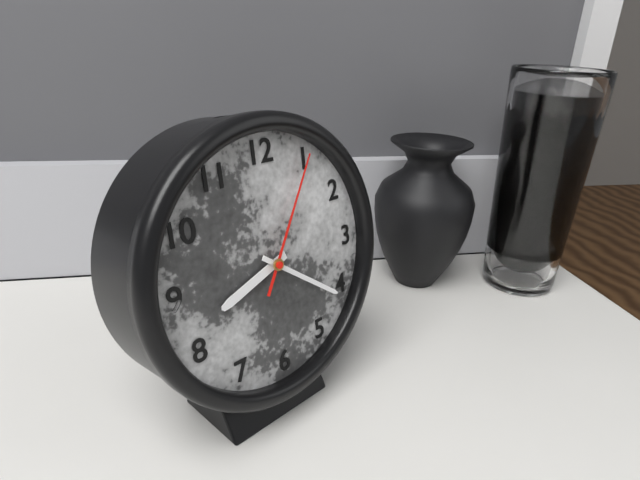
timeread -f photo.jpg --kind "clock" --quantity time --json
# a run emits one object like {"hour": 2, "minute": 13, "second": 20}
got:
{"hour": 8, "minute": 21, "second": 5}
